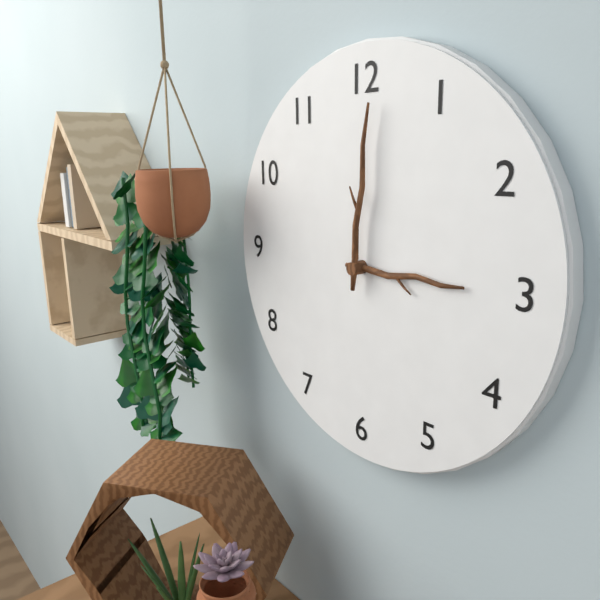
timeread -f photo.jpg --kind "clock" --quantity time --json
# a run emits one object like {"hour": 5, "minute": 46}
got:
{"hour": 3, "minute": 1}
